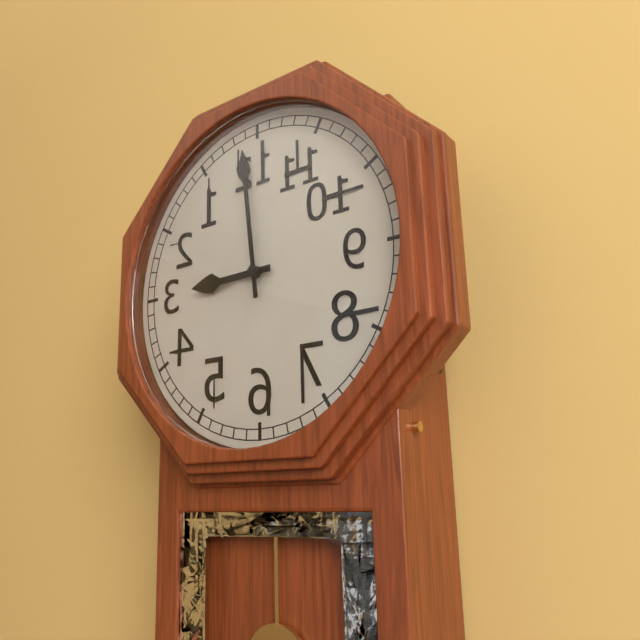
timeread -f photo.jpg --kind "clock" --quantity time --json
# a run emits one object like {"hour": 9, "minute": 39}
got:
{"hour": 8, "minute": 59}
